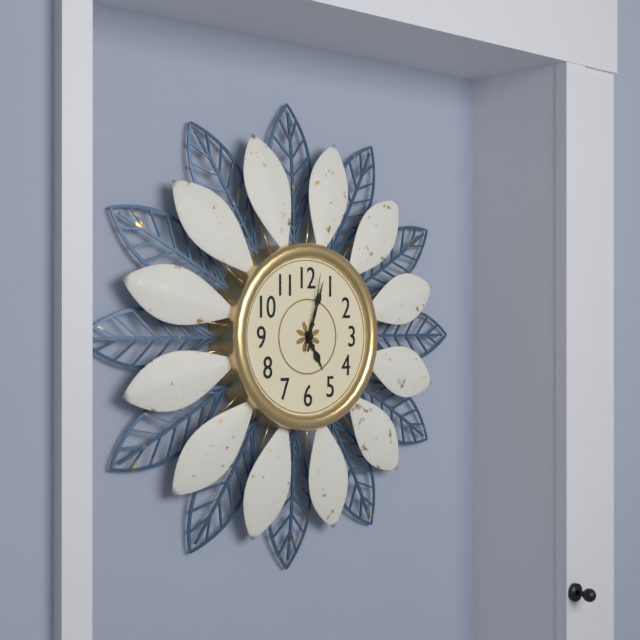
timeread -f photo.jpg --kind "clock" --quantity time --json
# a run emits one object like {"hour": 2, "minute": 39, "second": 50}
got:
{"hour": 5, "minute": 3, "second": 2}
